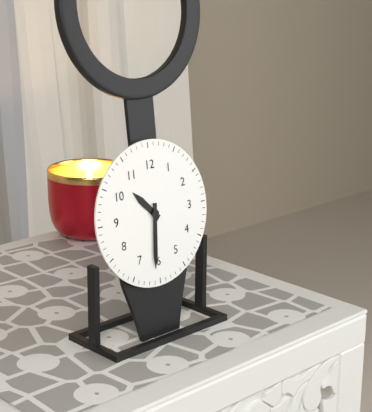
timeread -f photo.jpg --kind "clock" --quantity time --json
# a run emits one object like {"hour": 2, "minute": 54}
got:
{"hour": 10, "minute": 31}
